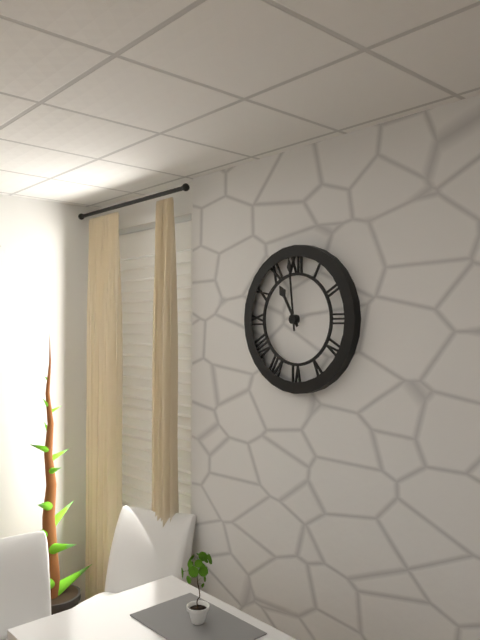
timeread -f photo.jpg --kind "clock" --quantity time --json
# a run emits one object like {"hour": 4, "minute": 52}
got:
{"hour": 10, "minute": 59}
